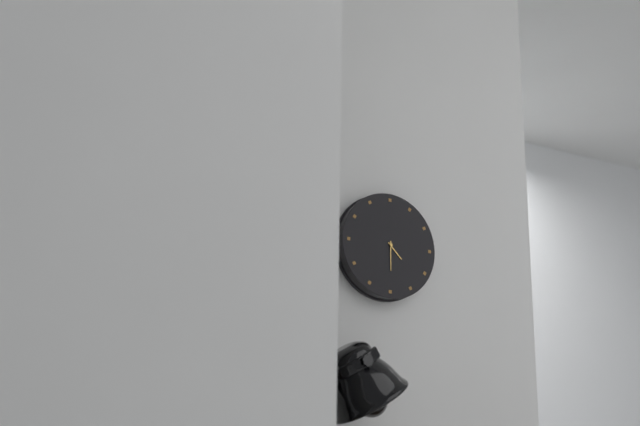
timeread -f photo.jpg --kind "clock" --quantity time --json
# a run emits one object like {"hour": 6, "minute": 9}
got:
{"hour": 4, "minute": 30}
